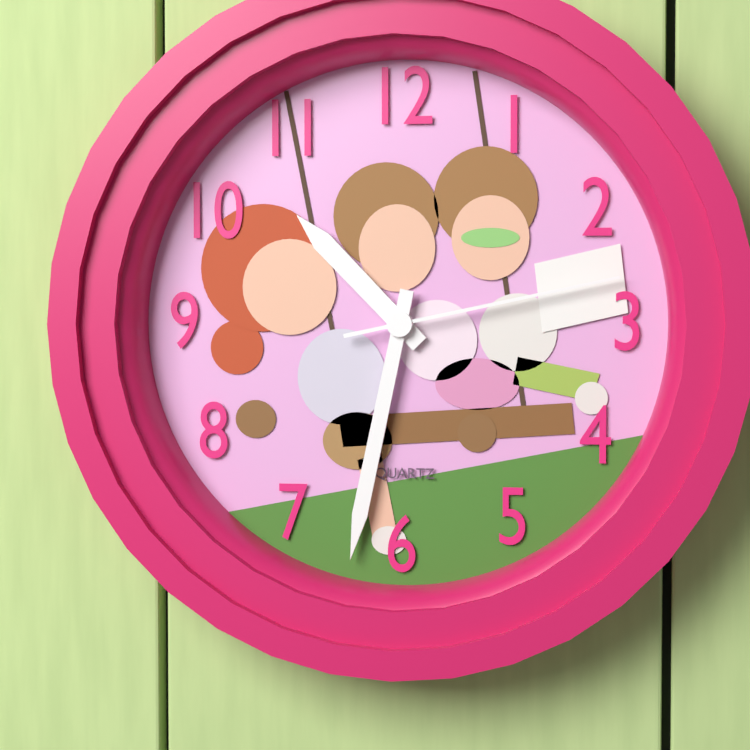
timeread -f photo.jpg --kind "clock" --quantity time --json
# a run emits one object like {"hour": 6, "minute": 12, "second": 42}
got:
{"hour": 10, "minute": 32, "second": 13}
